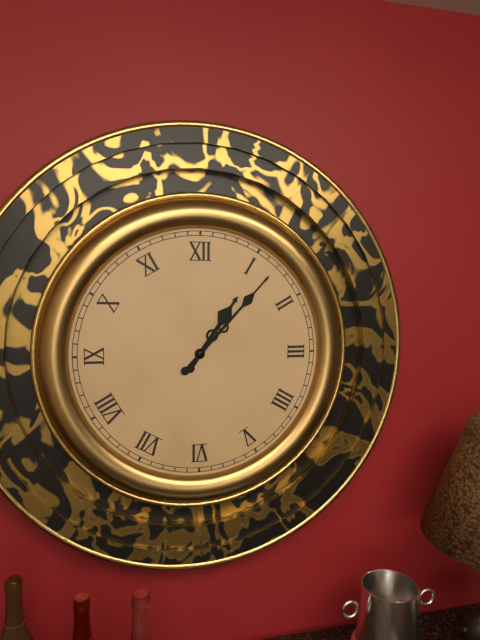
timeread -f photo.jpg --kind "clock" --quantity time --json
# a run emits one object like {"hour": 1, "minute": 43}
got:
{"hour": 1, "minute": 7}
